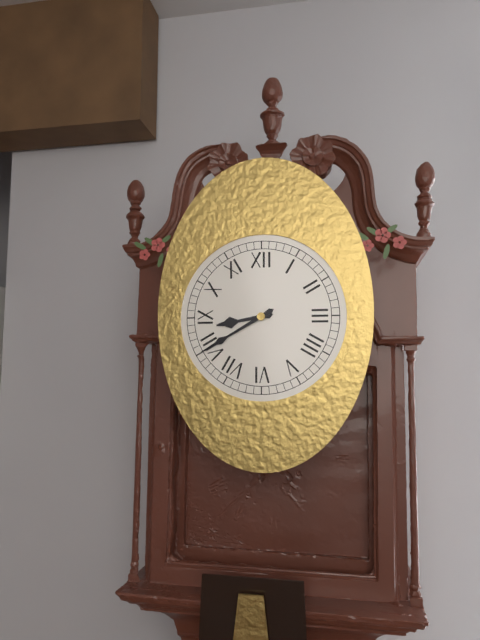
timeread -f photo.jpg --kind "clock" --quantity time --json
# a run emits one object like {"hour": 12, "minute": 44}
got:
{"hour": 8, "minute": 40}
